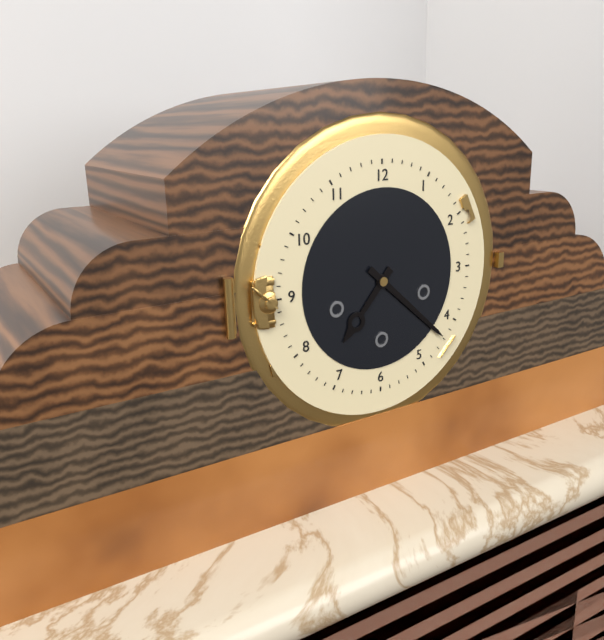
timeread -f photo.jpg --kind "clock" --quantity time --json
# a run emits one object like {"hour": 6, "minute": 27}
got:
{"hour": 7, "minute": 22}
